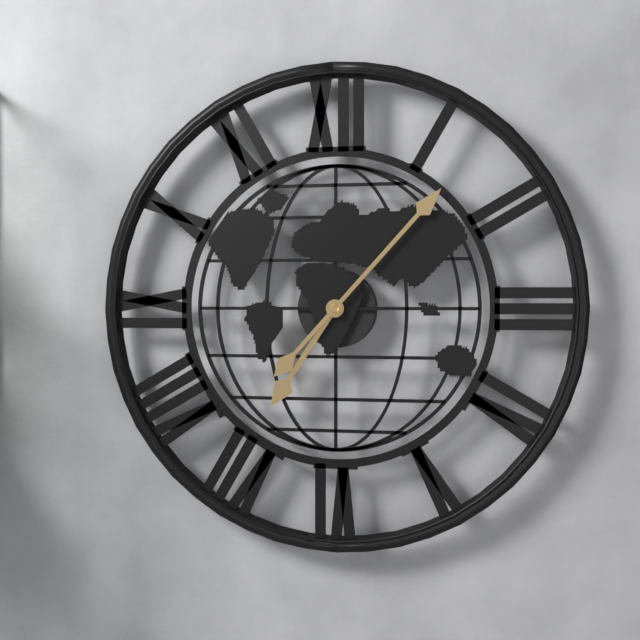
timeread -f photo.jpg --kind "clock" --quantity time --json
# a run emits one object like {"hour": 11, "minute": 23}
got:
{"hour": 7, "minute": 7}
